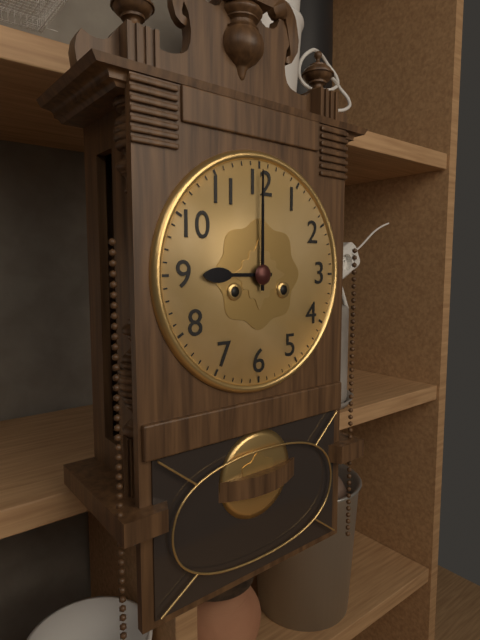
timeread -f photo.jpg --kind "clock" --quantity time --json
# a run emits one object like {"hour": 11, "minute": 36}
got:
{"hour": 9, "minute": 0}
